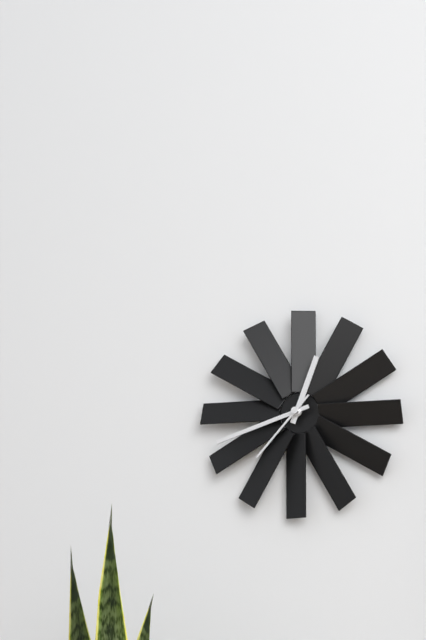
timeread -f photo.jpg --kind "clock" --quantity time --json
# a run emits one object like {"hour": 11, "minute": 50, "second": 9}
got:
{"hour": 12, "minute": 42, "second": 37}
